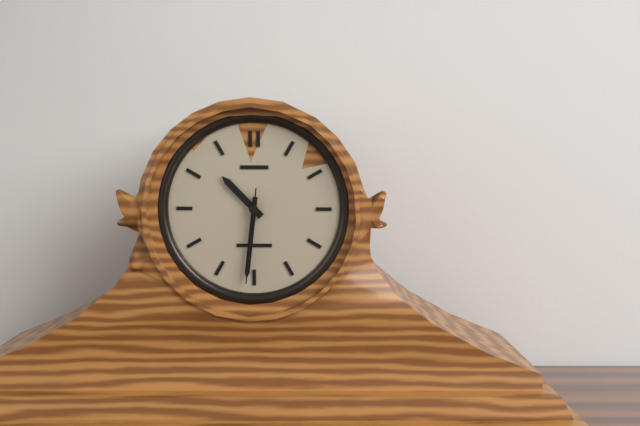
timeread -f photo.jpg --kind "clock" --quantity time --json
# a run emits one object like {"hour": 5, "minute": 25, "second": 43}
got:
{"hour": 10, "minute": 31, "second": 31}
